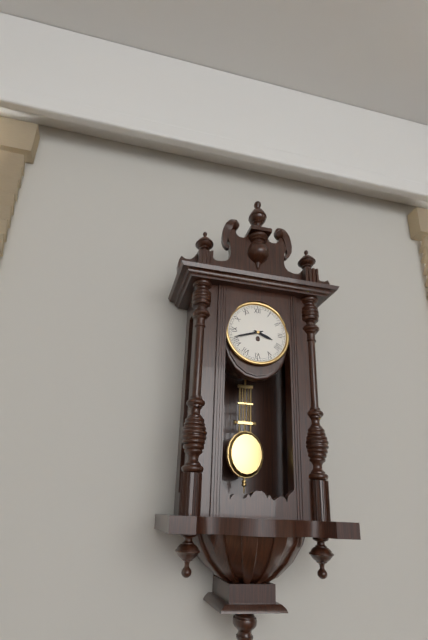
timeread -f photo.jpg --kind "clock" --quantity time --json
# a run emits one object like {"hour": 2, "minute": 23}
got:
{"hour": 3, "minute": 42}
